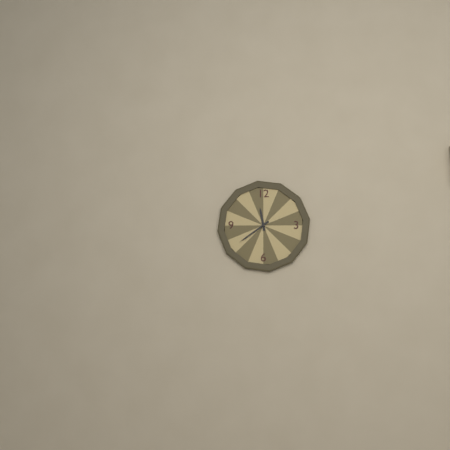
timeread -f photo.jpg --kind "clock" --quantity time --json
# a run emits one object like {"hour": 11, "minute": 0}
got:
{"hour": 11, "minute": 39}
